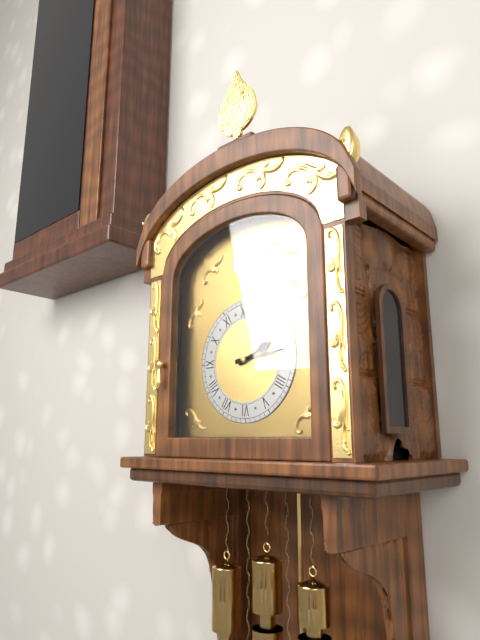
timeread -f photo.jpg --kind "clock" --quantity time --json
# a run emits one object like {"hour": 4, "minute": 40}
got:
{"hour": 2, "minute": 14}
